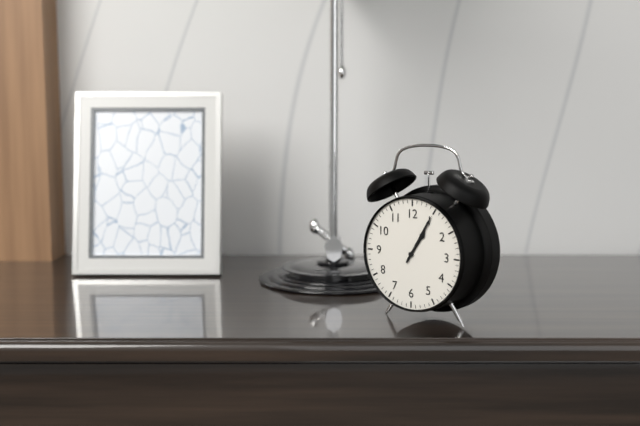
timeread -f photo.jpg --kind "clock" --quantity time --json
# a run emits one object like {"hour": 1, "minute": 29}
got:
{"hour": 1, "minute": 5}
